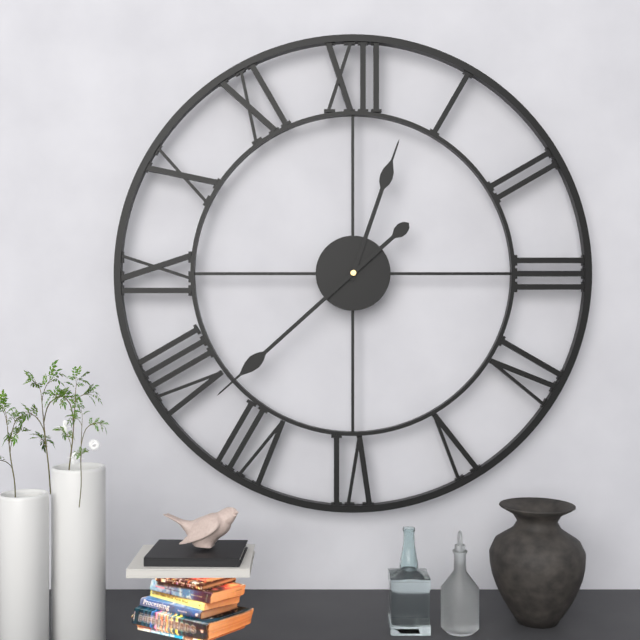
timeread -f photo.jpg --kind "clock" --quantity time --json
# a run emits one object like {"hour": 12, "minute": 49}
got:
{"hour": 12, "minute": 38}
